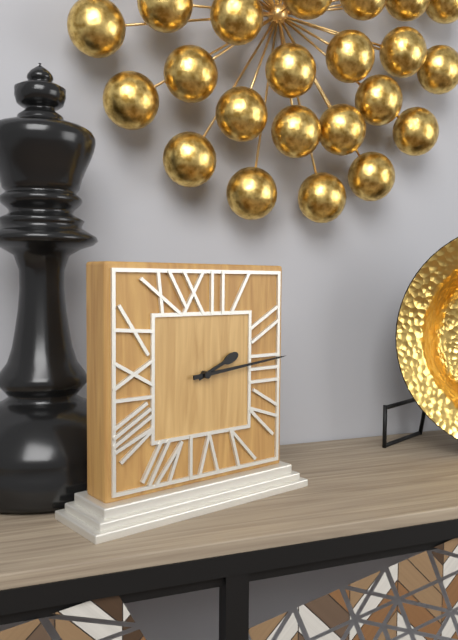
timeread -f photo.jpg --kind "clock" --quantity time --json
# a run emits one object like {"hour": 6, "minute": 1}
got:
{"hour": 2, "minute": 14}
